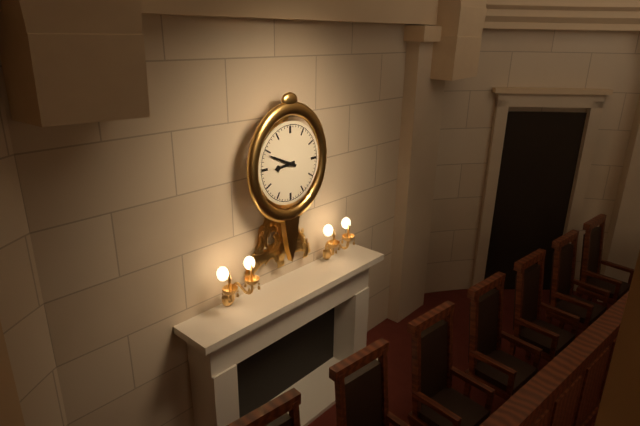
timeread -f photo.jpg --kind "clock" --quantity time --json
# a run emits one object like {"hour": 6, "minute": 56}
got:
{"hour": 8, "minute": 49}
